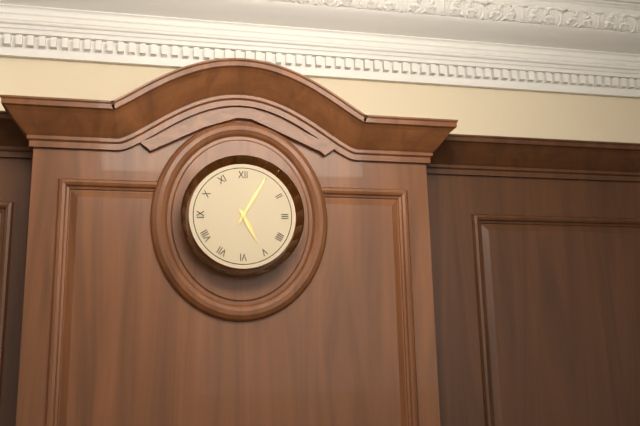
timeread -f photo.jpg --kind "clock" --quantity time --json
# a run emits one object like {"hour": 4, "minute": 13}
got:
{"hour": 5, "minute": 5}
